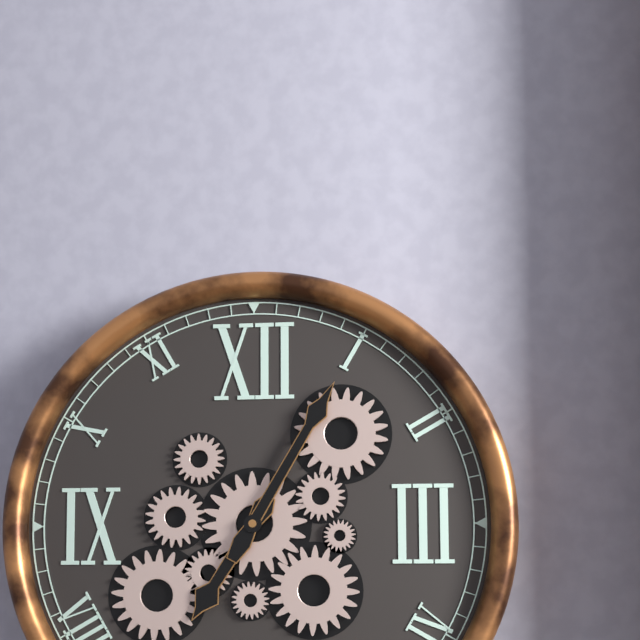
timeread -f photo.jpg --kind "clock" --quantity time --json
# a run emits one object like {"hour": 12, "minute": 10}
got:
{"hour": 7, "minute": 5}
